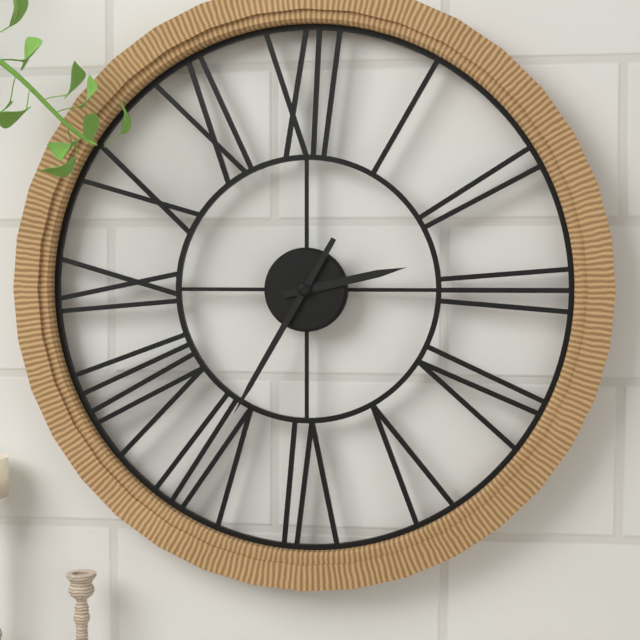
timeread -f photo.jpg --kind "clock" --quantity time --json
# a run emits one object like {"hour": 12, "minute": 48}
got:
{"hour": 2, "minute": 35}
